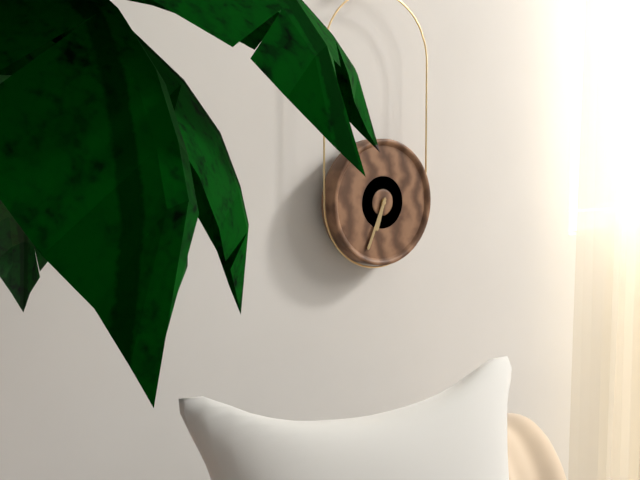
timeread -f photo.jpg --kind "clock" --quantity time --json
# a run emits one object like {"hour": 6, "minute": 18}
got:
{"hour": 6, "minute": 34}
